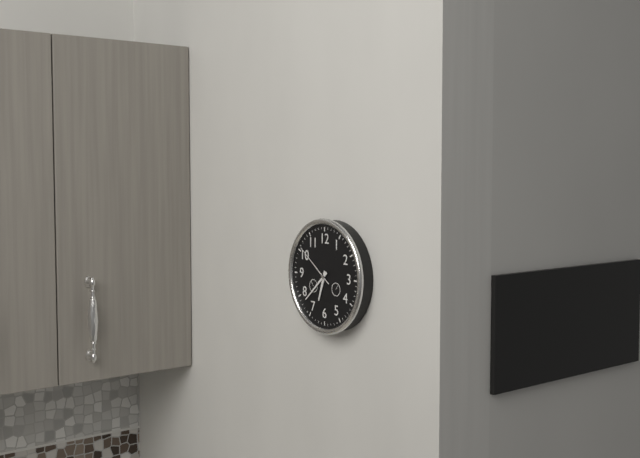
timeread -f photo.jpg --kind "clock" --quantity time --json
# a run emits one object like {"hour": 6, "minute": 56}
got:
{"hour": 6, "minute": 38}
